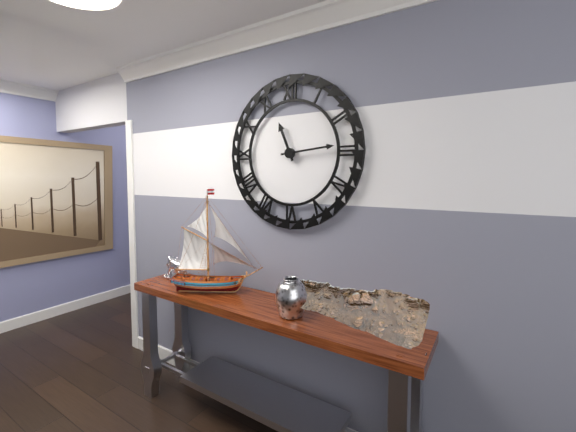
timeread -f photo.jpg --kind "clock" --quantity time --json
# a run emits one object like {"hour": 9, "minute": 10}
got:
{"hour": 11, "minute": 14}
